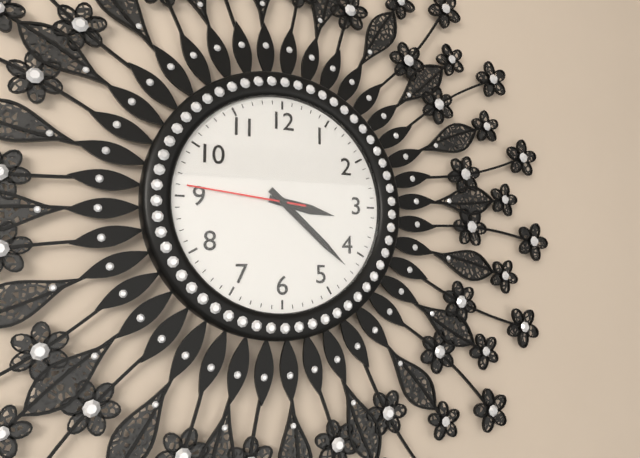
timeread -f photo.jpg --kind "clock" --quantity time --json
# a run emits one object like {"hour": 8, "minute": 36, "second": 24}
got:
{"hour": 3, "minute": 22, "second": 46}
